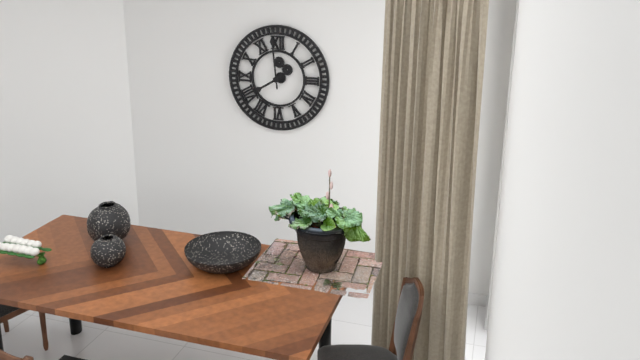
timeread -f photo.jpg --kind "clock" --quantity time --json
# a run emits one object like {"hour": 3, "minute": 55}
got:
{"hour": 7, "minute": 59}
